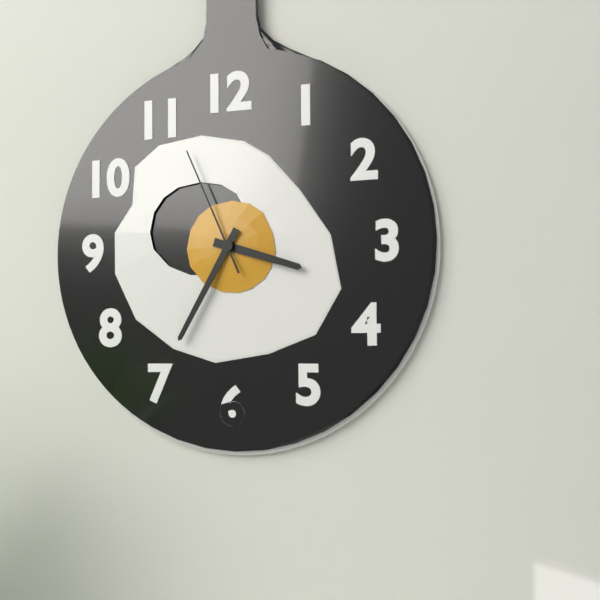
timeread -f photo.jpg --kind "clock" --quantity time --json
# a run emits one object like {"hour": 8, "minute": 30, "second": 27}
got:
{"hour": 3, "minute": 35, "second": 56}
